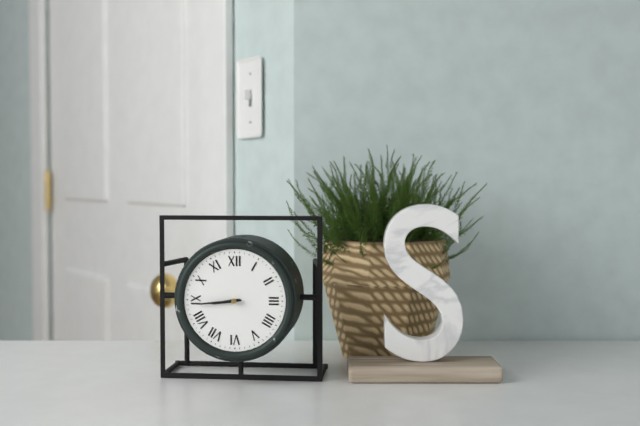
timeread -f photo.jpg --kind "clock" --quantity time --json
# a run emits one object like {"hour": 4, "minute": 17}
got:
{"hour": 8, "minute": 44}
